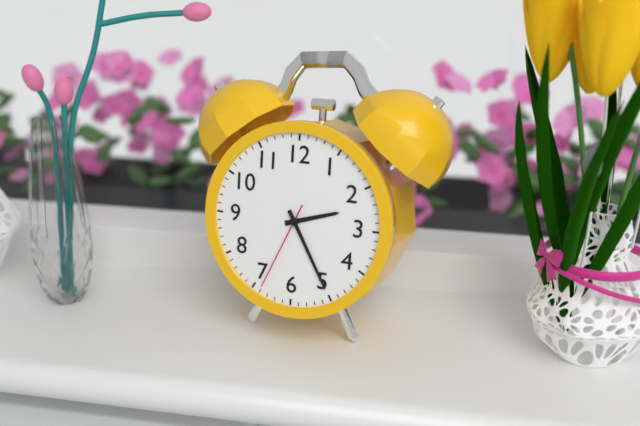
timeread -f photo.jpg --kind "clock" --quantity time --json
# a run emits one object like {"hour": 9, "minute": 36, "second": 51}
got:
{"hour": 2, "minute": 25, "second": 34}
